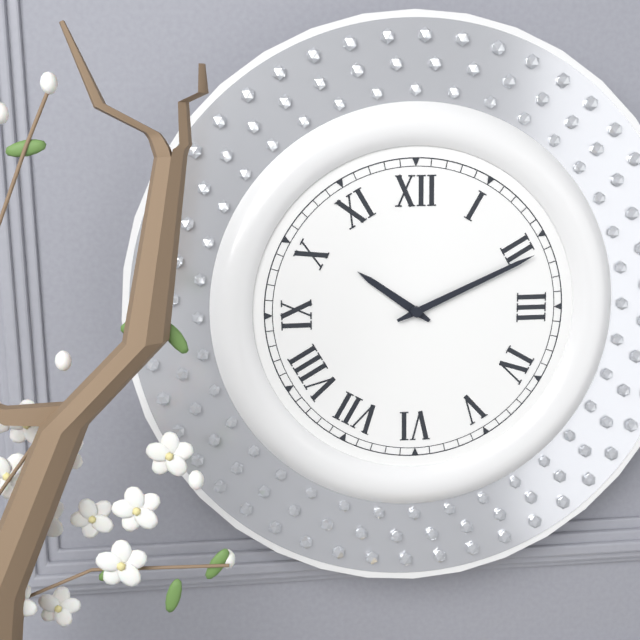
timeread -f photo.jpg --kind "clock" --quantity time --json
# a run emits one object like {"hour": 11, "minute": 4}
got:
{"hour": 10, "minute": 11}
